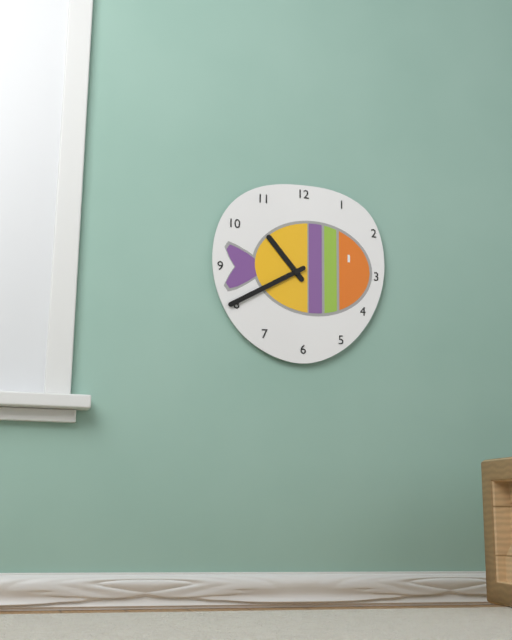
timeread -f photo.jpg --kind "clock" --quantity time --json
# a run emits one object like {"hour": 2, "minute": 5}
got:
{"hour": 10, "minute": 40}
